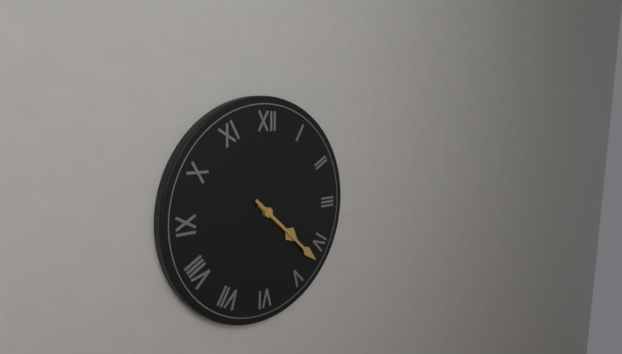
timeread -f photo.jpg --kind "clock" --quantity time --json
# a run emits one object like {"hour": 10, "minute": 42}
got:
{"hour": 4, "minute": 22}
